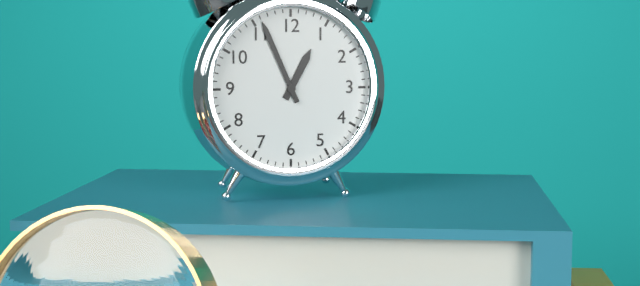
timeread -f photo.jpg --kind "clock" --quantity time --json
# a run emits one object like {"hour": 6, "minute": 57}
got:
{"hour": 12, "minute": 56}
